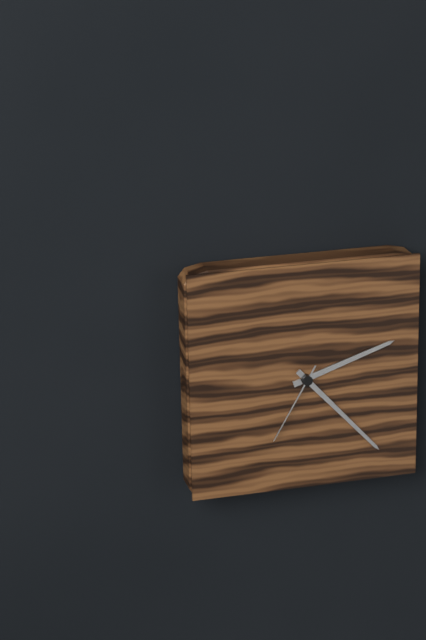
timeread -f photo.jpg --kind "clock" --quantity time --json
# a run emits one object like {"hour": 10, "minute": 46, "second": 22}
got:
{"hour": 2, "minute": 23, "second": 35}
